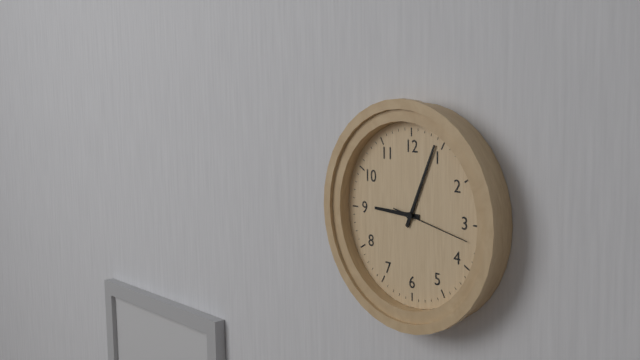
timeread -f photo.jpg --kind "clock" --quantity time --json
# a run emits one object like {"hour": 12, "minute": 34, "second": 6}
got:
{"hour": 9, "minute": 4, "second": 17}
